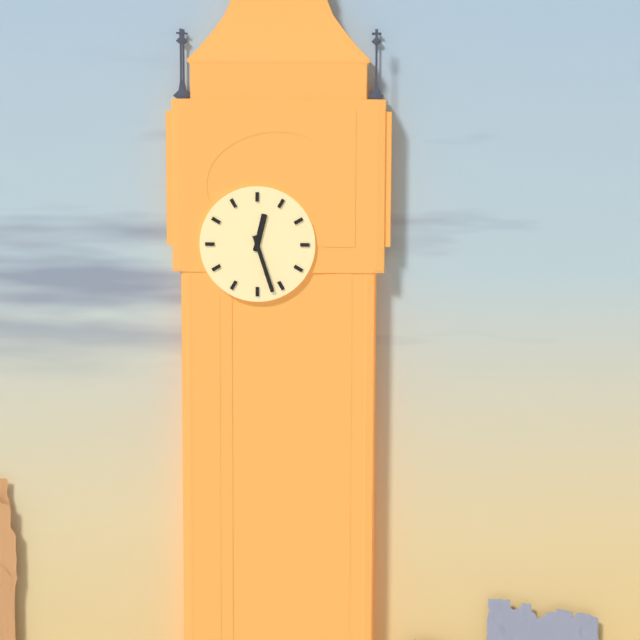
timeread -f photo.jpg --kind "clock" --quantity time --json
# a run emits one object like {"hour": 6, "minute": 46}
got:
{"hour": 12, "minute": 27}
